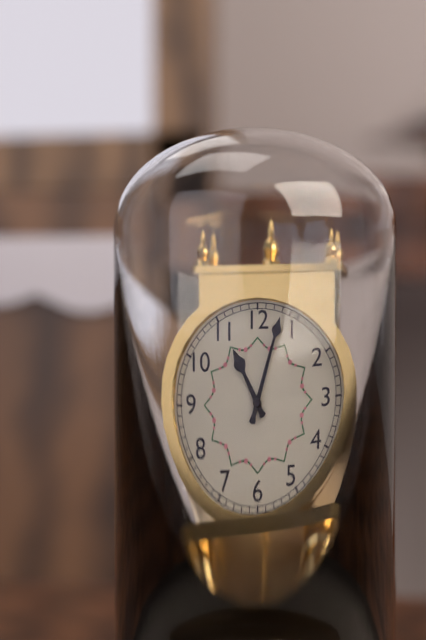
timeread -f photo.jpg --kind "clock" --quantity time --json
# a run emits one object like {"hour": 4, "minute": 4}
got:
{"hour": 11, "minute": 3}
